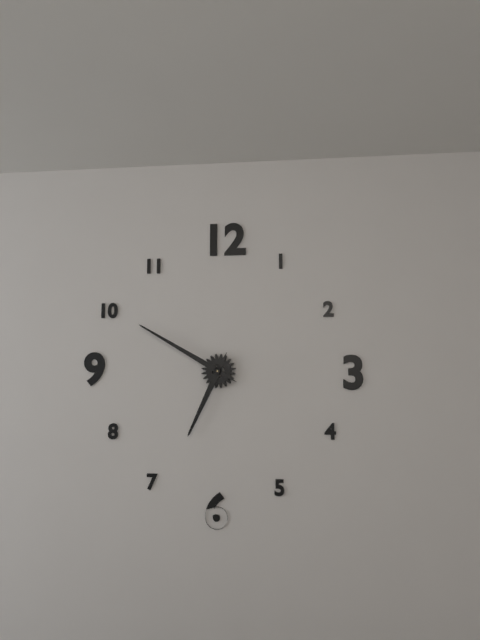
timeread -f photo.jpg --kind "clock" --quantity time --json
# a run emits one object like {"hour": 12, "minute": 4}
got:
{"hour": 6, "minute": 50}
